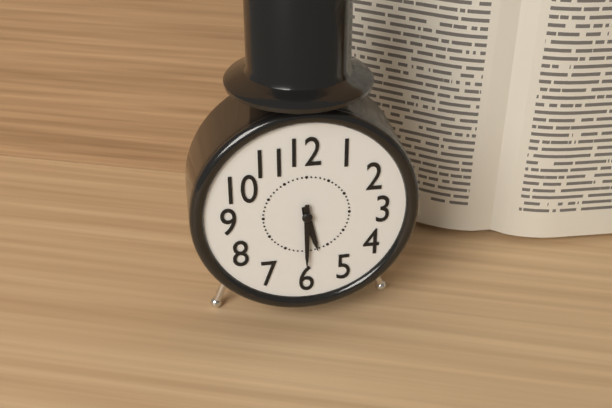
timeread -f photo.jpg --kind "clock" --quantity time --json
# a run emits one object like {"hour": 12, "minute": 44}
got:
{"hour": 5, "minute": 30}
